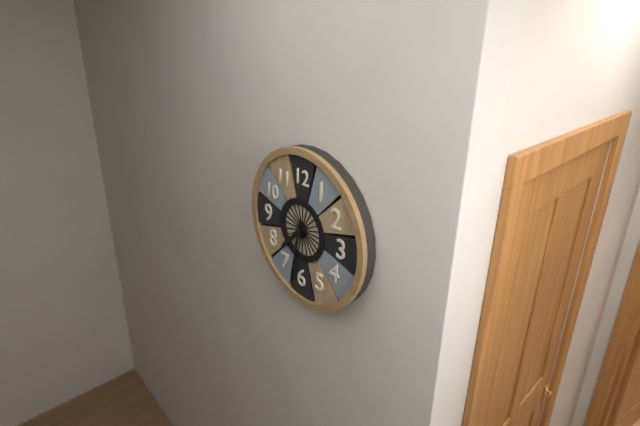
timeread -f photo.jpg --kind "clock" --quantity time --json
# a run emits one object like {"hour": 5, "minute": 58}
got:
{"hour": 7, "minute": 32}
